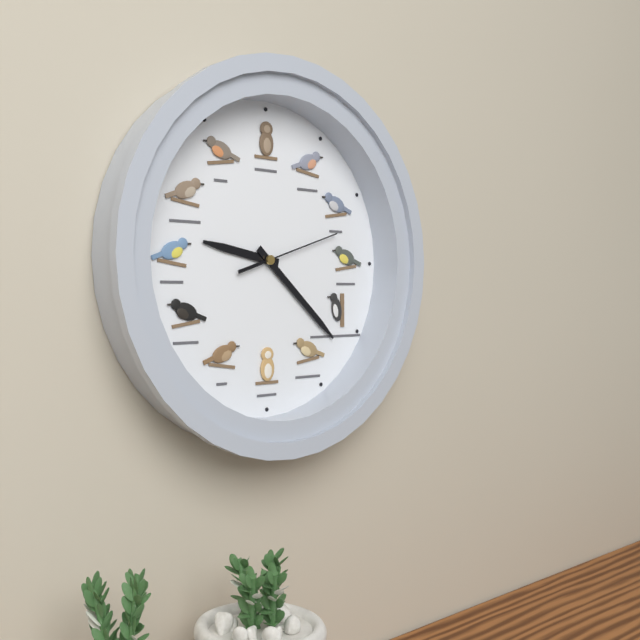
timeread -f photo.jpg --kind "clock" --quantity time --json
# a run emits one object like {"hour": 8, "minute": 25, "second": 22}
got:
{"hour": 9, "minute": 22, "second": 12}
